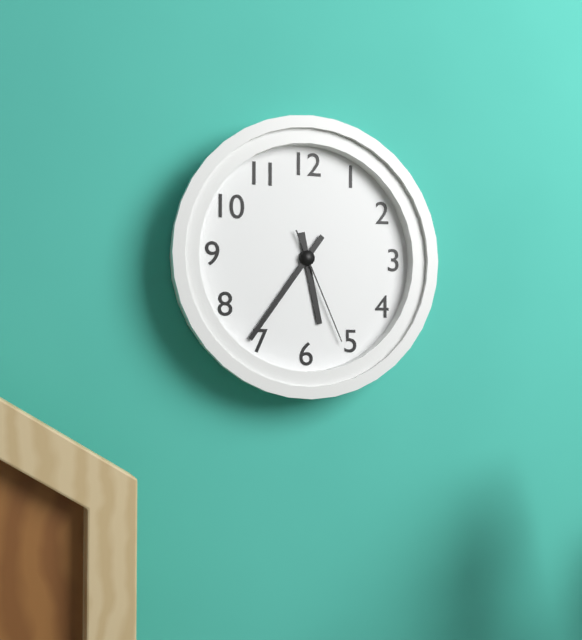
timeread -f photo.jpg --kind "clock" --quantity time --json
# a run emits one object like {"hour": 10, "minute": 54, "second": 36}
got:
{"hour": 5, "minute": 36, "second": 26}
